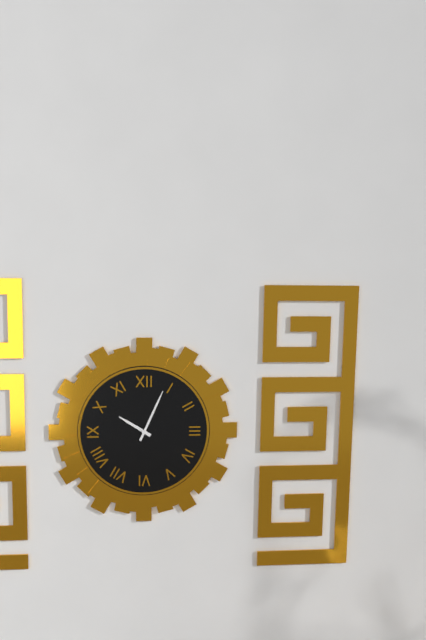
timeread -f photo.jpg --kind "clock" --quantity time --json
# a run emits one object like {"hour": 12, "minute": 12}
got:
{"hour": 10, "minute": 4}
